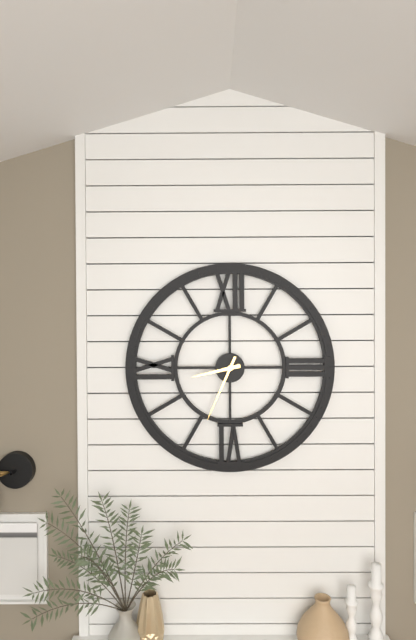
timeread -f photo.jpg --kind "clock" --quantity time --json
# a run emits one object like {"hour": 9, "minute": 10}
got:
{"hour": 8, "minute": 34}
